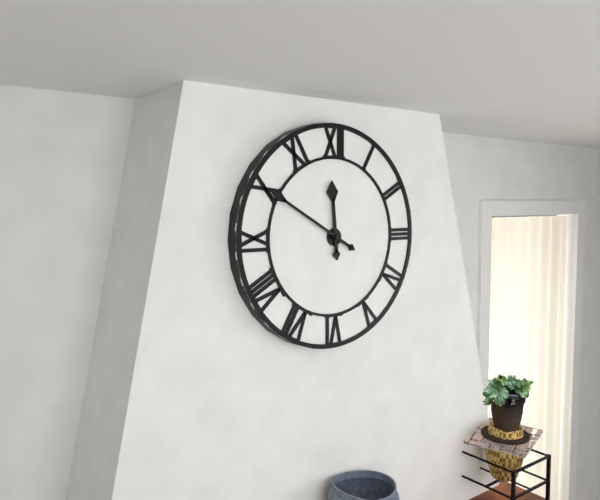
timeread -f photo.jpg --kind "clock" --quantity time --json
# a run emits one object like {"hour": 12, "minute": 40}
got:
{"hour": 11, "minute": 50}
